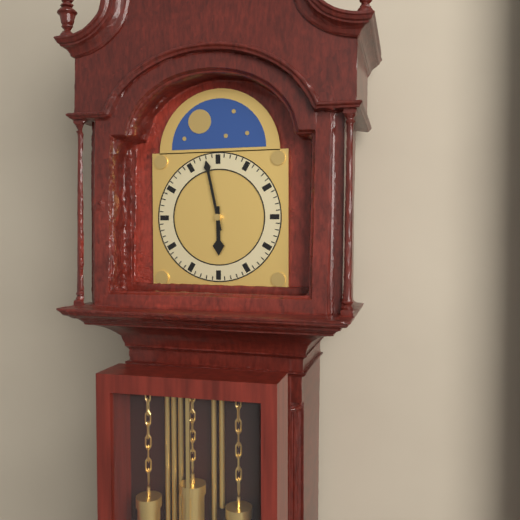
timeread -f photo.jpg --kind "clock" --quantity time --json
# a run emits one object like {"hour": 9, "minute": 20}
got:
{"hour": 5, "minute": 58}
